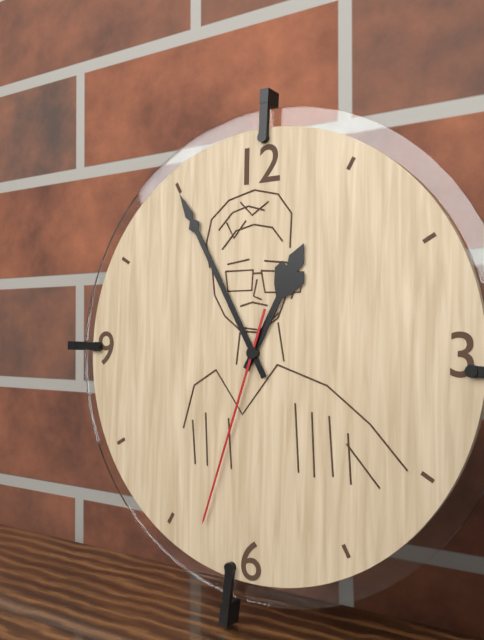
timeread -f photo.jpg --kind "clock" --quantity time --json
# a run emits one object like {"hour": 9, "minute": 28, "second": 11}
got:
{"hour": 12, "minute": 55, "second": 33}
